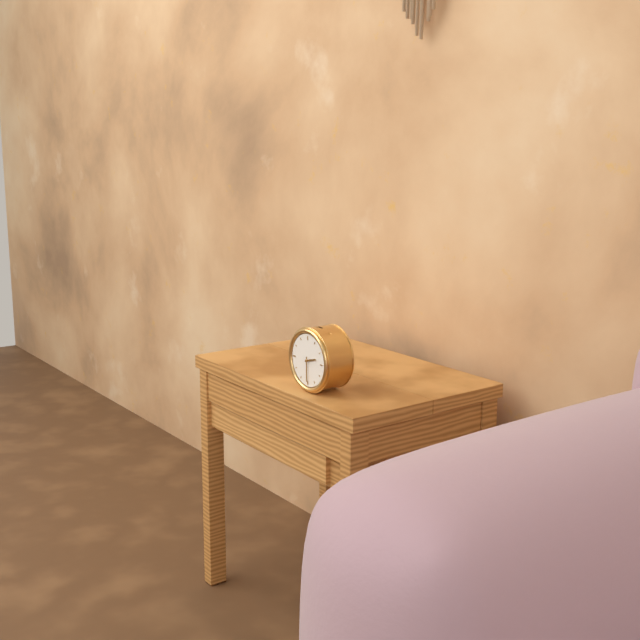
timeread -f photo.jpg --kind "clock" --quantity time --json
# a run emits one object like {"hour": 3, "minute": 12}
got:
{"hour": 2, "minute": 30}
